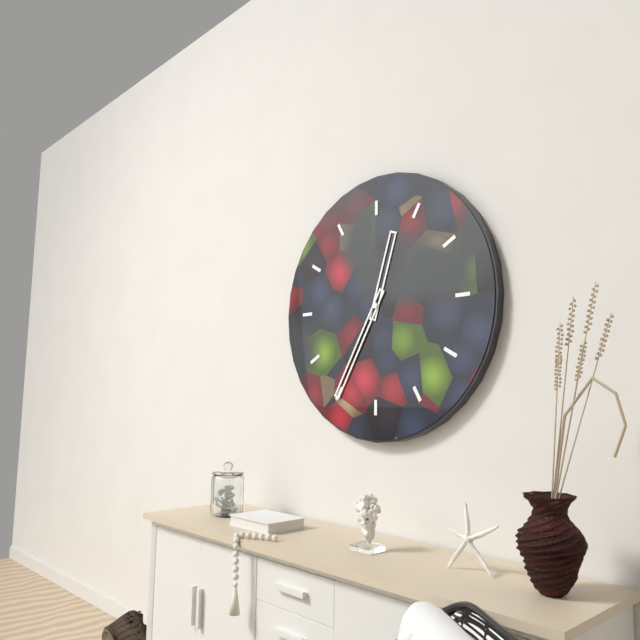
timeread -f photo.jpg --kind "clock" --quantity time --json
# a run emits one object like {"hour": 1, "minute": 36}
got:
{"hour": 12, "minute": 35}
